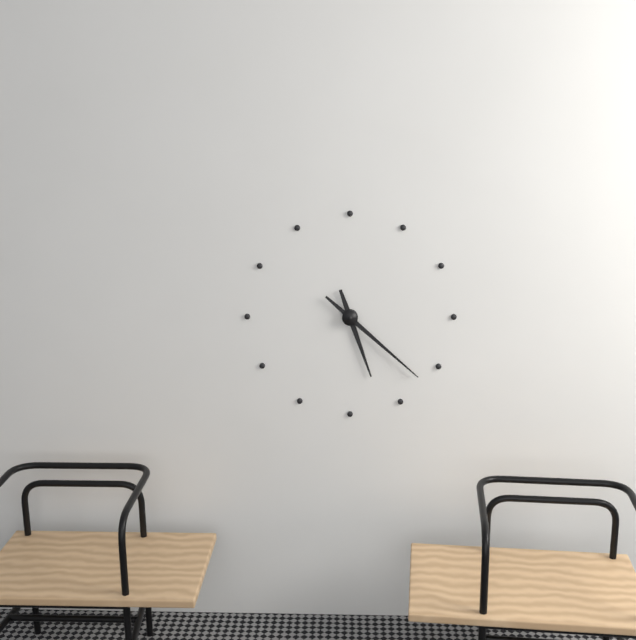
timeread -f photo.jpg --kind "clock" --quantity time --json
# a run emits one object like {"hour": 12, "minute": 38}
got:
{"hour": 5, "minute": 22}
